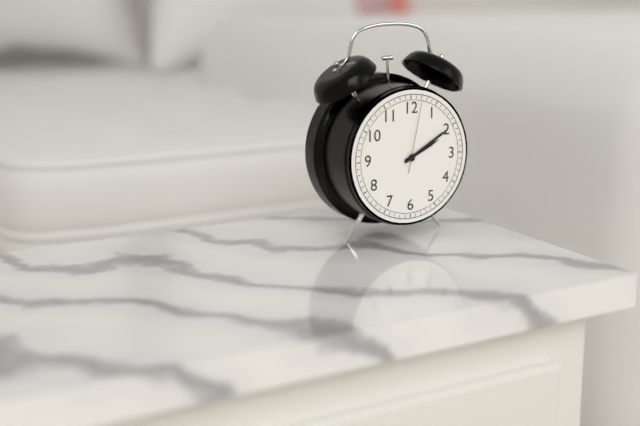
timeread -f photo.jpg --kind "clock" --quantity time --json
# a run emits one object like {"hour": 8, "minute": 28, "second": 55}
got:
{"hour": 2, "minute": 10, "second": 2}
